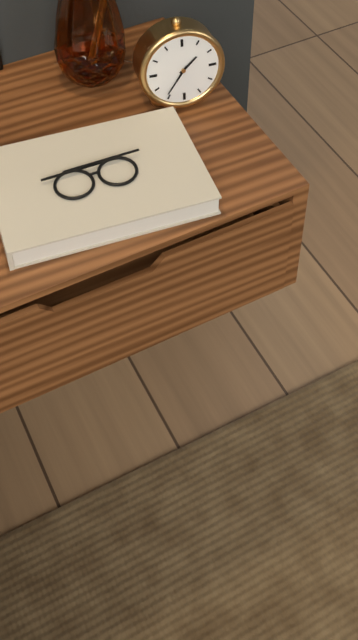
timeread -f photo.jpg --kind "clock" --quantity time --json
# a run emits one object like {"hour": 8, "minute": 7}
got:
{"hour": 1, "minute": 36}
